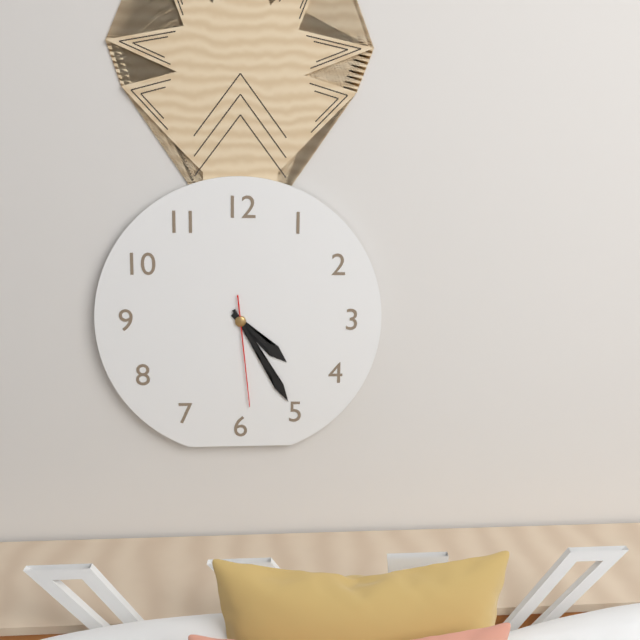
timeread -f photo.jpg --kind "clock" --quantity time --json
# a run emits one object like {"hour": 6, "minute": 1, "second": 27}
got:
{"hour": 4, "minute": 25, "second": 29}
